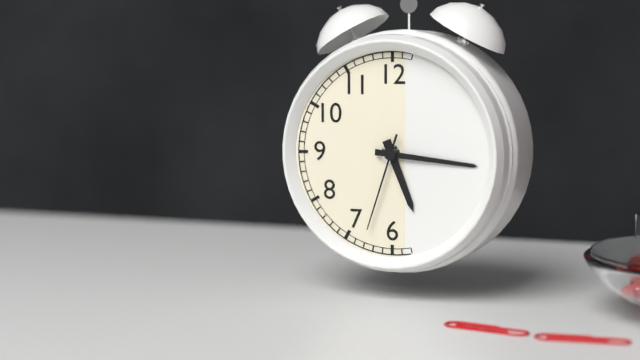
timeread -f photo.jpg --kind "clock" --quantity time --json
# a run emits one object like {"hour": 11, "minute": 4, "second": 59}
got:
{"hour": 5, "minute": 16, "second": 33}
